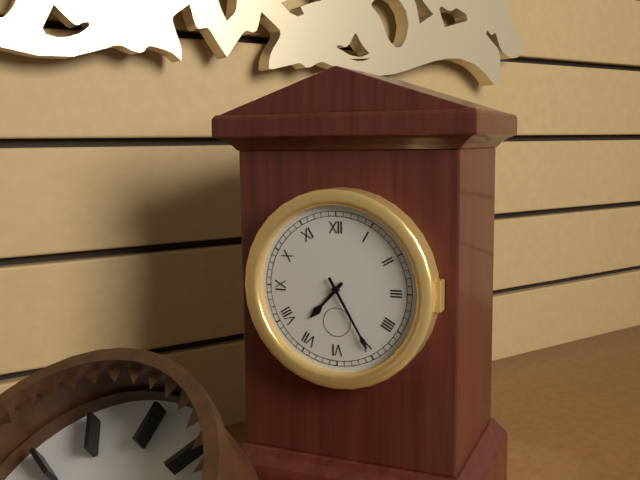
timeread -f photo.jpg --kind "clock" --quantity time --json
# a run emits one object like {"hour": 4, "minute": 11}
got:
{"hour": 7, "minute": 25}
